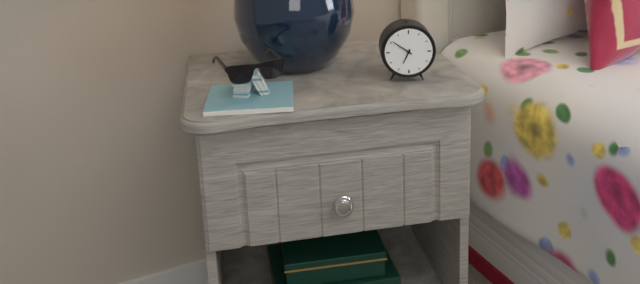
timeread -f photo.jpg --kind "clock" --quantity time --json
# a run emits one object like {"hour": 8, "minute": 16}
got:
{"hour": 6, "minute": 51}
